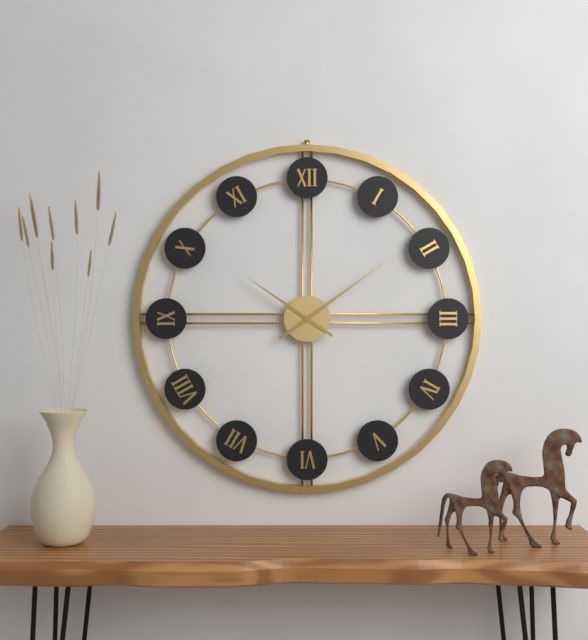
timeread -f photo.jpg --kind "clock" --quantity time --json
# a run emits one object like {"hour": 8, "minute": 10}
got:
{"hour": 10, "minute": 9}
